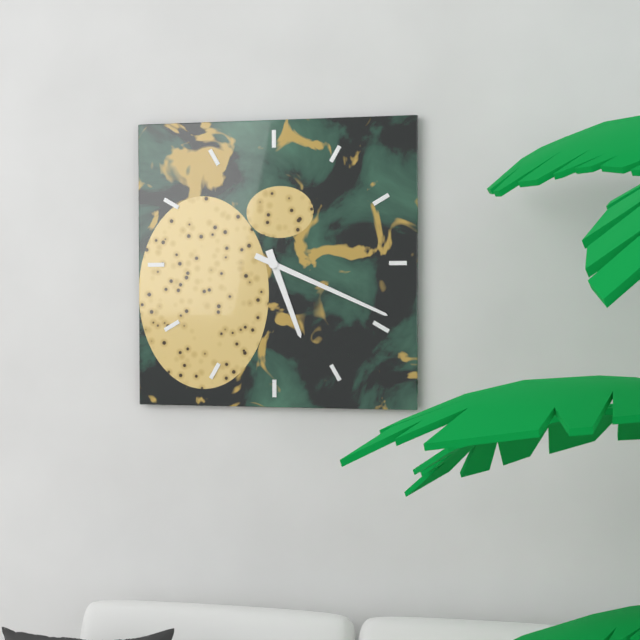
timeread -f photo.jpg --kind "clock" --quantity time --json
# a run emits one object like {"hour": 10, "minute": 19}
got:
{"hour": 5, "minute": 19}
